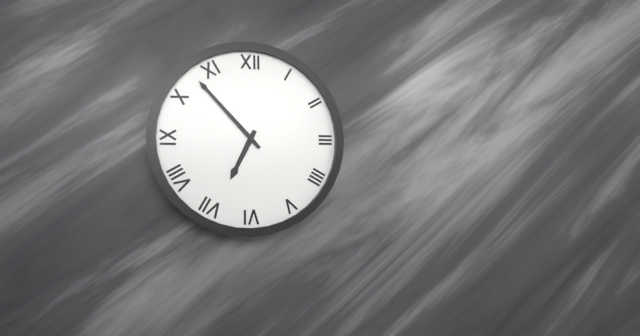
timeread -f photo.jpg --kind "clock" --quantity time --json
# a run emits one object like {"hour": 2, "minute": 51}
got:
{"hour": 6, "minute": 53}
